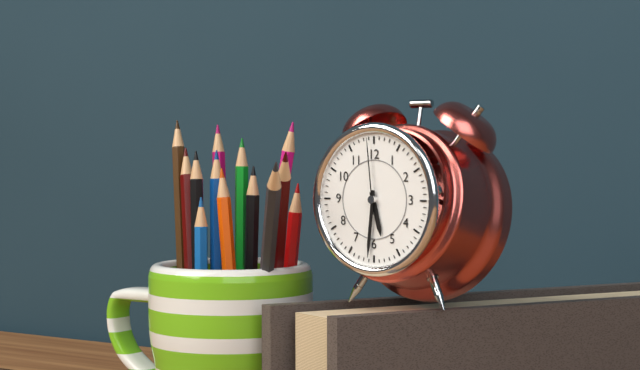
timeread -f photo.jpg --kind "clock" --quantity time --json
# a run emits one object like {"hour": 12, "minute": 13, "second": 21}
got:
{"hour": 5, "minute": 31, "second": 59}
